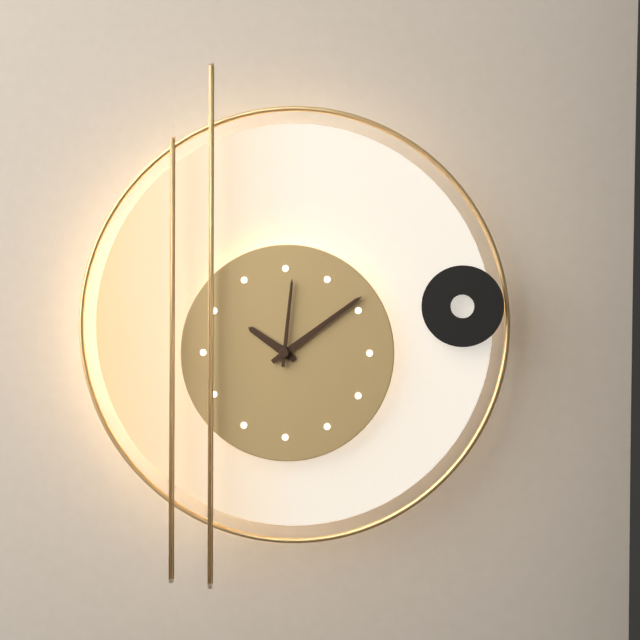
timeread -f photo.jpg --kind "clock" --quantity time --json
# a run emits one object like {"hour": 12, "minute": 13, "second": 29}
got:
{"hour": 10, "minute": 9, "second": 1}
